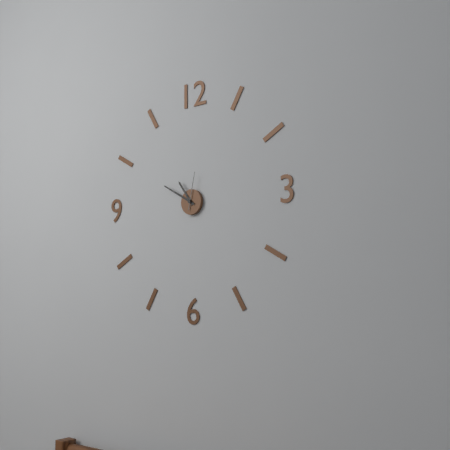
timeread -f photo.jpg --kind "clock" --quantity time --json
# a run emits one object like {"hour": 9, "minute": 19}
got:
{"hour": 10, "minute": 50}
